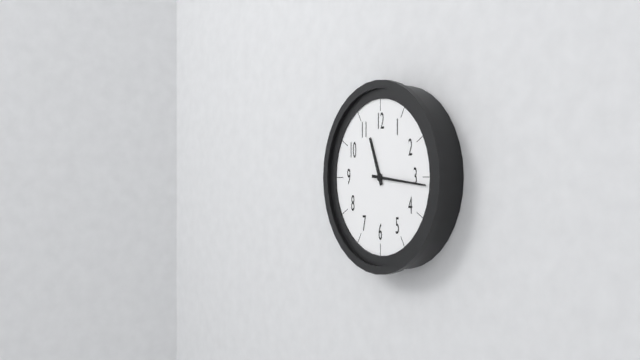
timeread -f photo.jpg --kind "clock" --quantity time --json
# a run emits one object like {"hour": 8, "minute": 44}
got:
{"hour": 11, "minute": 16}
